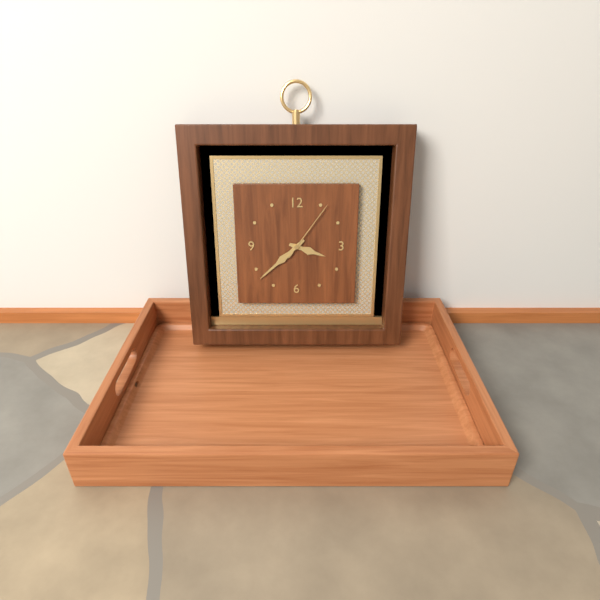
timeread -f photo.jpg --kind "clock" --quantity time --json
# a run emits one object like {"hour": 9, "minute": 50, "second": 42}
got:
{"hour": 3, "minute": 38, "second": 6}
